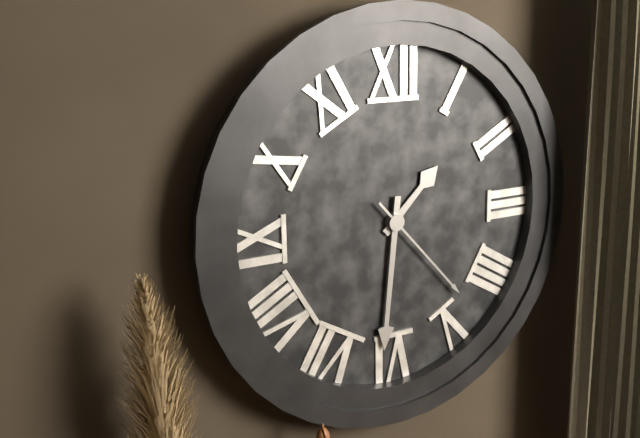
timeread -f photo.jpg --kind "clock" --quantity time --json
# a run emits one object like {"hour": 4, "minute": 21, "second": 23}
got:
{"hour": 1, "minute": 31, "second": 23}
